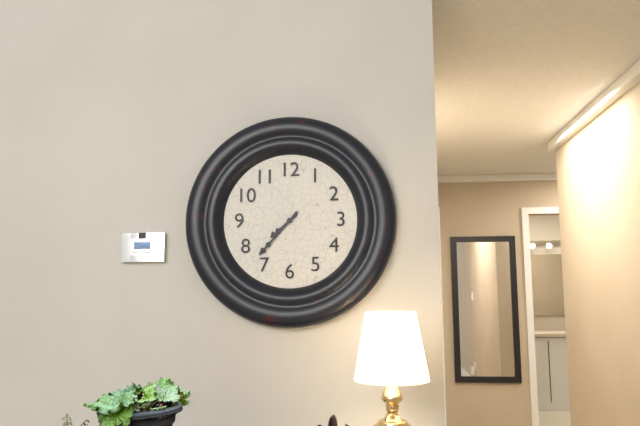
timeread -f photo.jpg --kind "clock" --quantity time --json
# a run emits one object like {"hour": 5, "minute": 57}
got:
{"hour": 7, "minute": 37}
